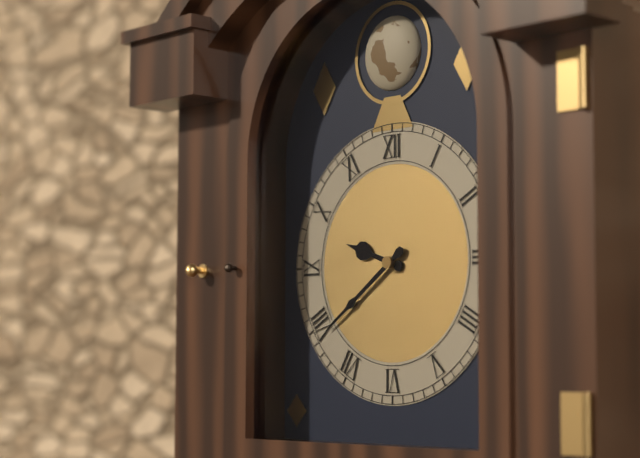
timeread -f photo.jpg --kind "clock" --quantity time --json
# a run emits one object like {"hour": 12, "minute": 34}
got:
{"hour": 9, "minute": 39}
